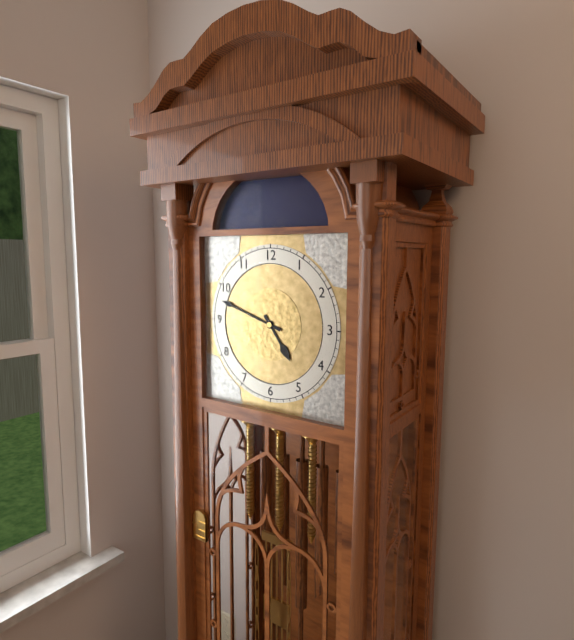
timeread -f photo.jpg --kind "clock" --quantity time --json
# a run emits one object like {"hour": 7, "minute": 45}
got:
{"hour": 4, "minute": 48}
